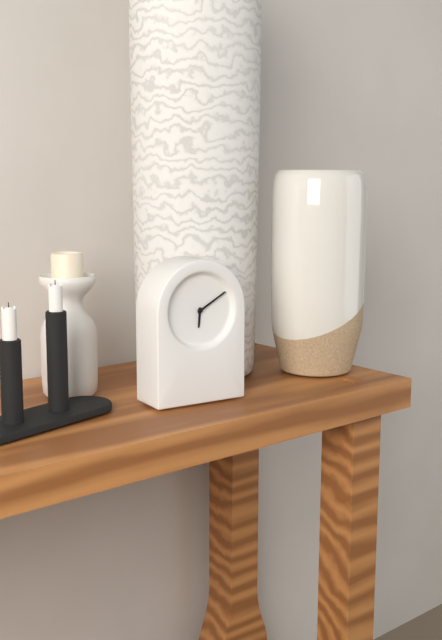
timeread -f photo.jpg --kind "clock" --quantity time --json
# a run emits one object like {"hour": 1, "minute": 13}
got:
{"hour": 6, "minute": 10}
